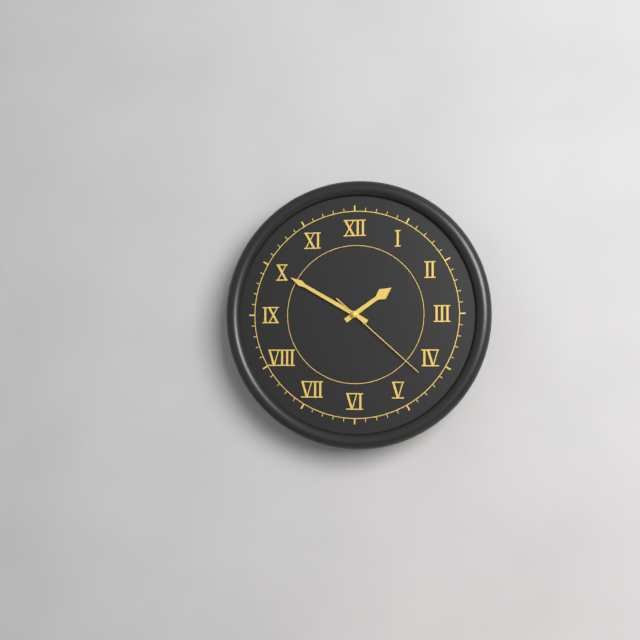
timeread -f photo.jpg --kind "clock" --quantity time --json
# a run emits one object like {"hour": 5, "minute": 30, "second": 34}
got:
{"hour": 1, "minute": 50, "second": 22}
